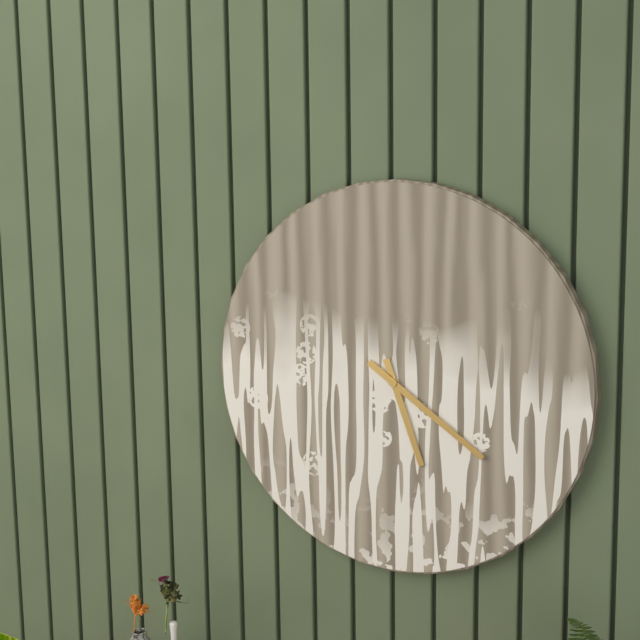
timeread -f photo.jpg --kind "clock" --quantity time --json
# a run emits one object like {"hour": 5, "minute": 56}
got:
{"hour": 5, "minute": 21}
